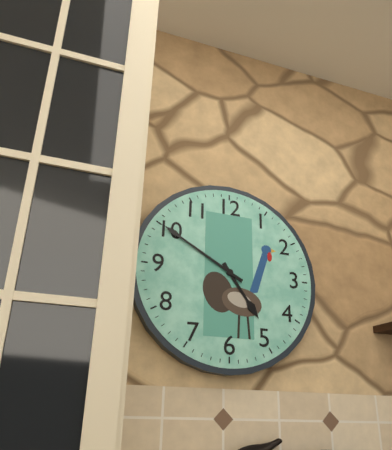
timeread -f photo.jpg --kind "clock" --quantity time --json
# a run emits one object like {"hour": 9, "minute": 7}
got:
{"hour": 4, "minute": 50}
